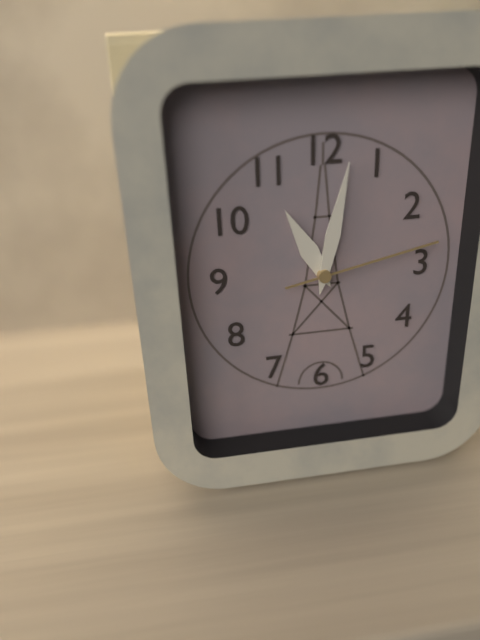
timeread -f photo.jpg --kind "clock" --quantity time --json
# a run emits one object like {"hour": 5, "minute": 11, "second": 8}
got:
{"hour": 11, "minute": 2, "second": 13}
